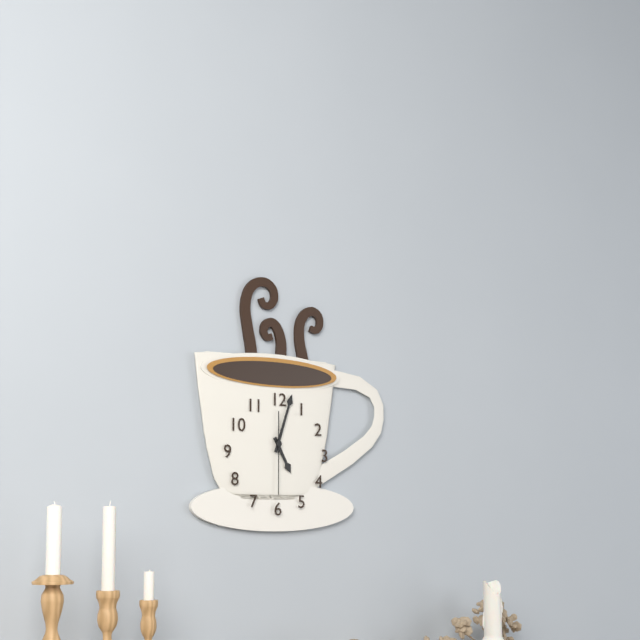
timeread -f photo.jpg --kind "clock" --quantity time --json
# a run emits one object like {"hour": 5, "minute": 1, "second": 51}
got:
{"hour": 5, "minute": 3, "second": 30}
